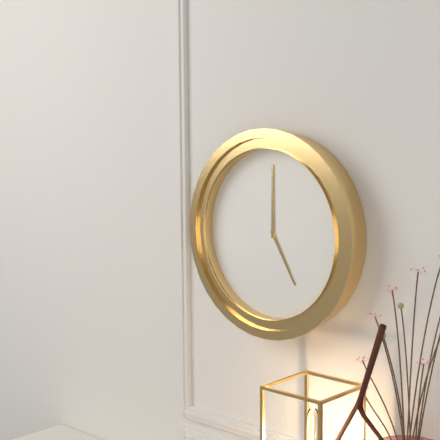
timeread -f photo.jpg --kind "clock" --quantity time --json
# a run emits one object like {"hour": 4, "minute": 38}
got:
{"hour": 5, "minute": 0}
